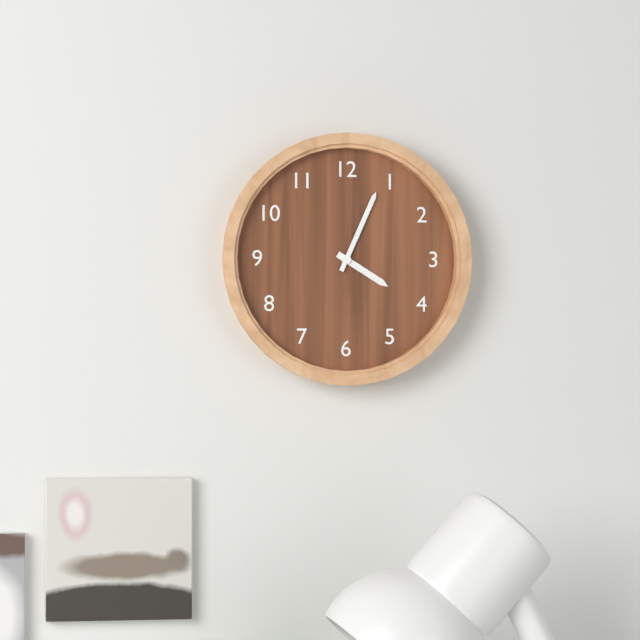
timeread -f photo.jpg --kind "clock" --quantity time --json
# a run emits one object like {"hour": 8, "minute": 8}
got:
{"hour": 4, "minute": 4}
